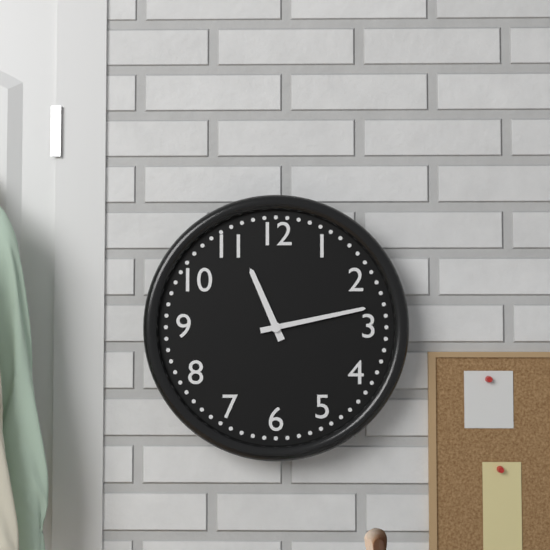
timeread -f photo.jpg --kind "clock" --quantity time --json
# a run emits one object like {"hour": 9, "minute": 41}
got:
{"hour": 11, "minute": 13}
